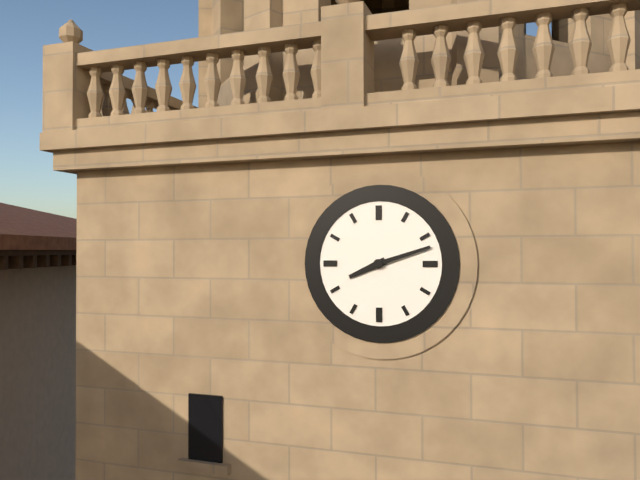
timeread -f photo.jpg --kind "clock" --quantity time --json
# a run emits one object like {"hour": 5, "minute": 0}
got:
{"hour": 8, "minute": 12}
